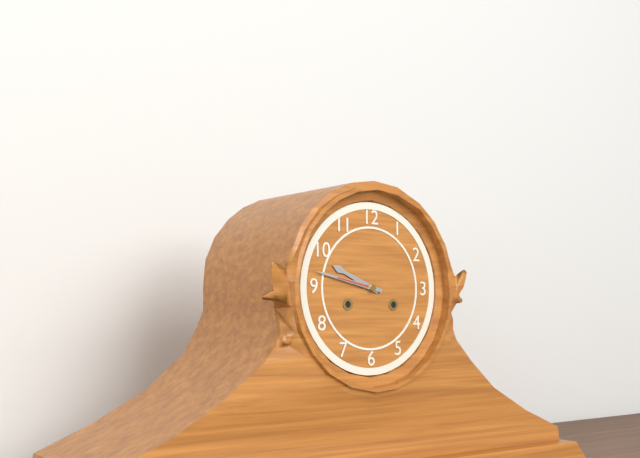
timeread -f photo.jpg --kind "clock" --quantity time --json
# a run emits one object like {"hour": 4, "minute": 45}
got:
{"hour": 9, "minute": 47}
